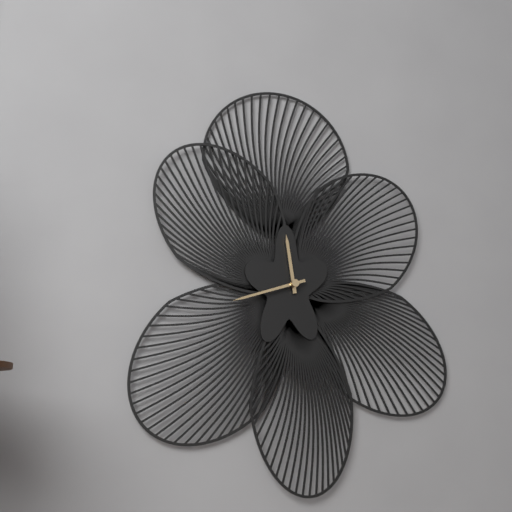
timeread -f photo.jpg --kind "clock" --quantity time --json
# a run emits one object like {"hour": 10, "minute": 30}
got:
{"hour": 11, "minute": 42}
